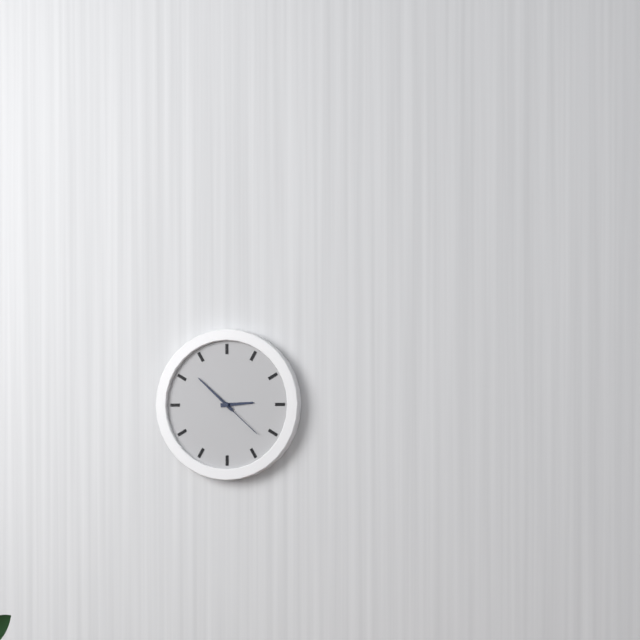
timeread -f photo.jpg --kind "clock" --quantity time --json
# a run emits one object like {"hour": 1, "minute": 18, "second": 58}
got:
{"hour": 2, "minute": 52, "second": 22}
